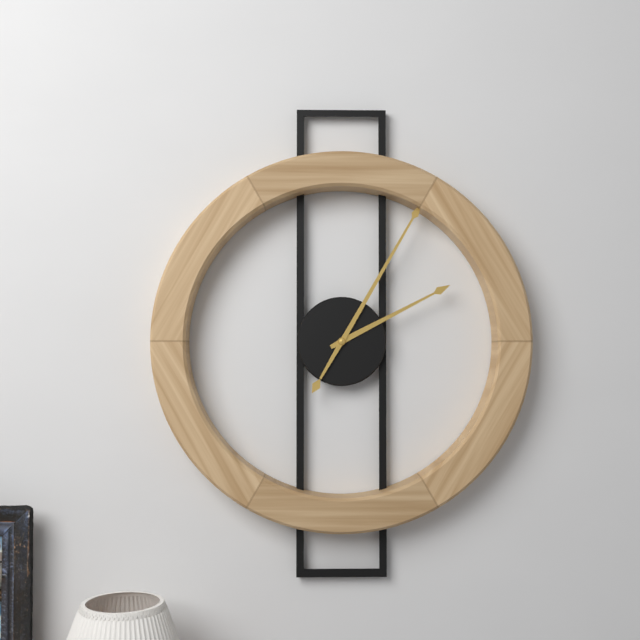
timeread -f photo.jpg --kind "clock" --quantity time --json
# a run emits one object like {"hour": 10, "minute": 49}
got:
{"hour": 2, "minute": 5}
